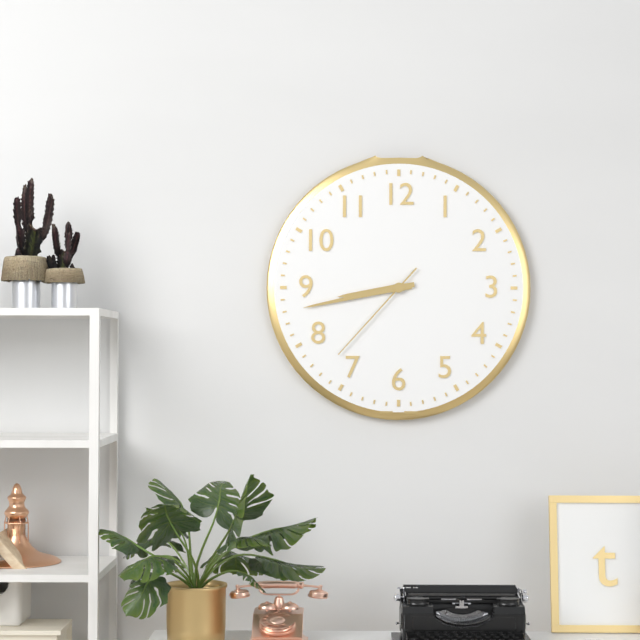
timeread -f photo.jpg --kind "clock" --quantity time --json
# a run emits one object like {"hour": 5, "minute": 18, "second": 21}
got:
{"hour": 8, "minute": 43, "second": 37}
